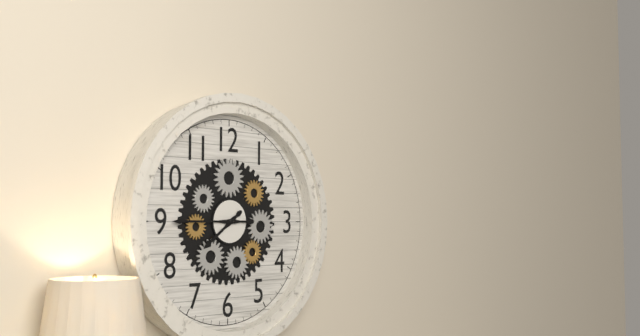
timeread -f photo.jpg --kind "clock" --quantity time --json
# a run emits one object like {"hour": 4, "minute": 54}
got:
{"hour": 7, "minute": 45}
